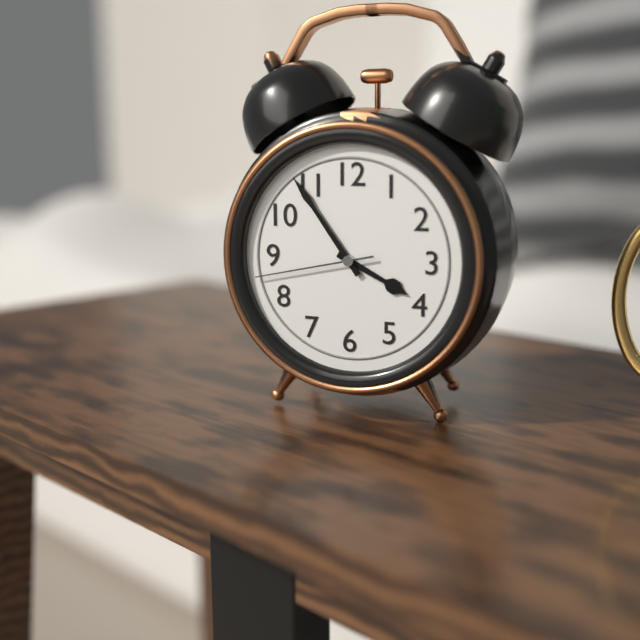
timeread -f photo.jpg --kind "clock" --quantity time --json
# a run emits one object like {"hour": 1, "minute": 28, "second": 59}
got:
{"hour": 3, "minute": 54, "second": 43}
